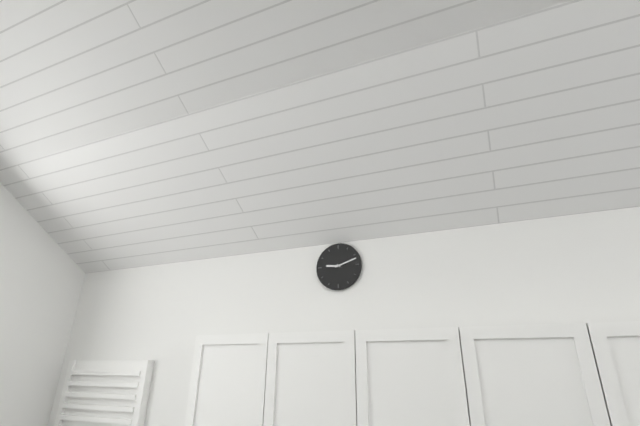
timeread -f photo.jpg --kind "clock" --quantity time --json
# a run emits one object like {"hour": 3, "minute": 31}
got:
{"hour": 9, "minute": 12}
